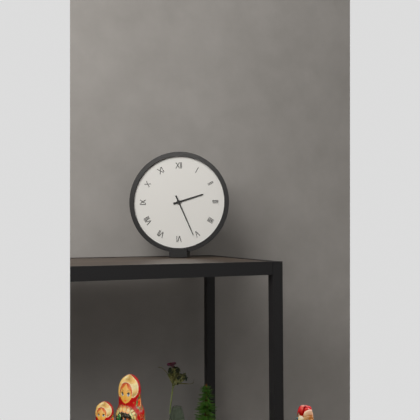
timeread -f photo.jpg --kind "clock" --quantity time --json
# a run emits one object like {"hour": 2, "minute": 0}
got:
{"hour": 2, "minute": 26}
